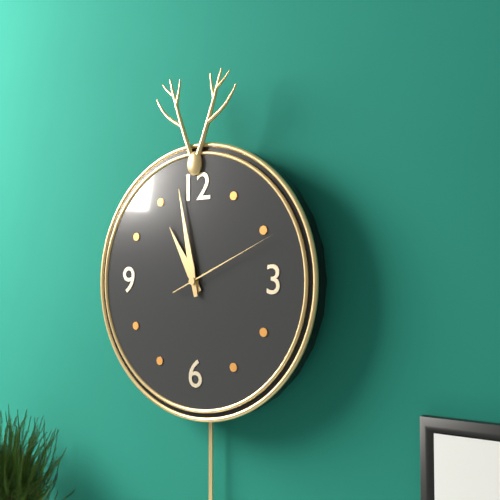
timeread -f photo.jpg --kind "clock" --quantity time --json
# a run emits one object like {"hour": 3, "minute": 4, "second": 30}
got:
{"hour": 10, "minute": 58, "second": 11}
